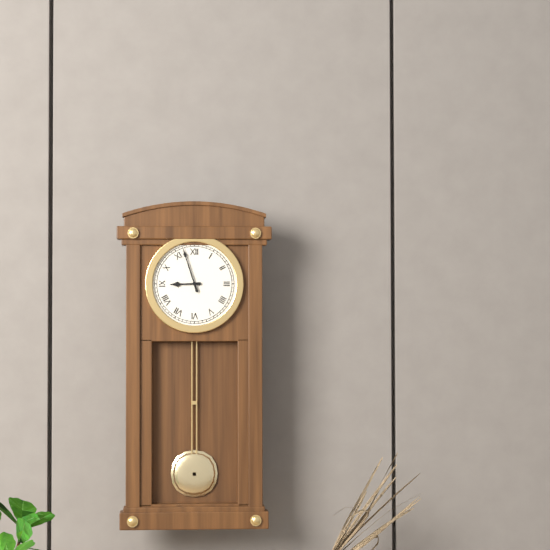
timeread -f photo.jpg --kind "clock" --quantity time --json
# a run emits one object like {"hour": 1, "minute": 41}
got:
{"hour": 8, "minute": 57}
